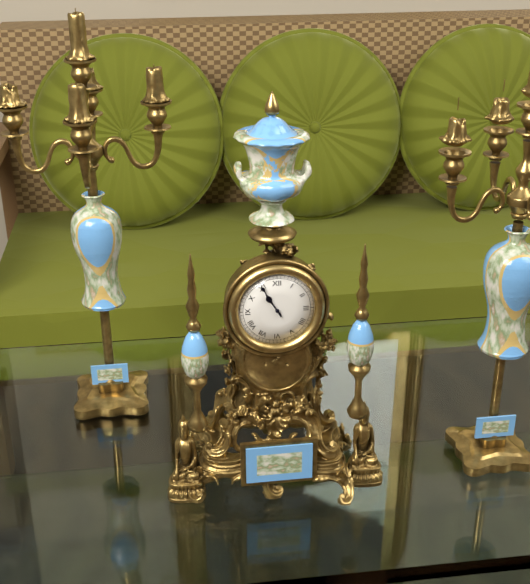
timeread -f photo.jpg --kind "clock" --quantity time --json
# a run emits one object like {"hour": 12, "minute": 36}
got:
{"hour": 10, "minute": 55}
